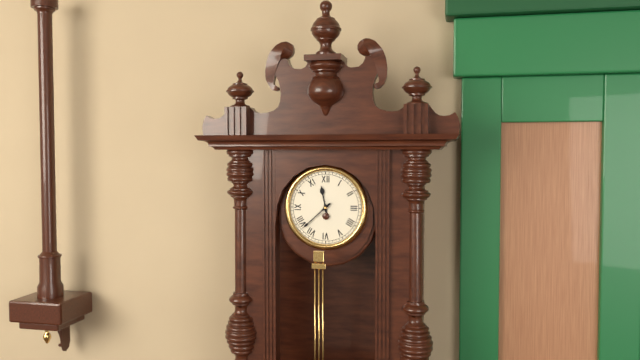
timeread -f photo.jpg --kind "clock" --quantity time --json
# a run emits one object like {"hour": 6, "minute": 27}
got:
{"hour": 11, "minute": 38}
